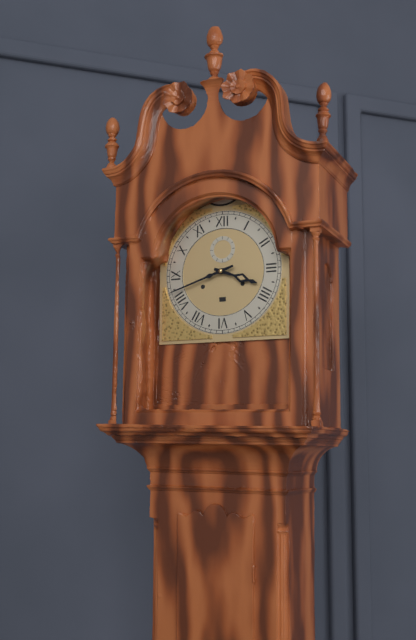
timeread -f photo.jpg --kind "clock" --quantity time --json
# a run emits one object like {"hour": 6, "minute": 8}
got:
{"hour": 3, "minute": 42}
